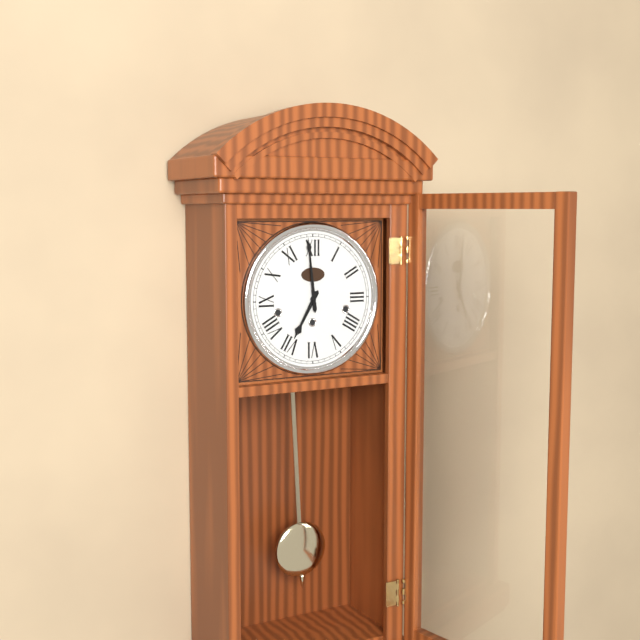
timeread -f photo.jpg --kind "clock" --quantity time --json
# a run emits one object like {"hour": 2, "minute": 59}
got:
{"hour": 6, "minute": 59}
